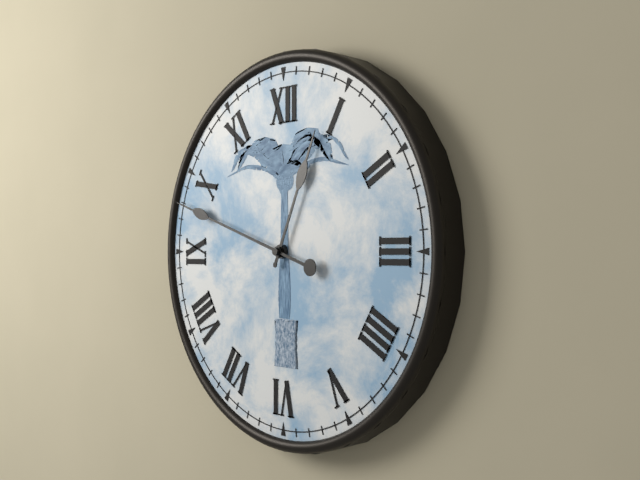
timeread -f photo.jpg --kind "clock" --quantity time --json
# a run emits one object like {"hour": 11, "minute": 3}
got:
{"hour": 12, "minute": 48}
